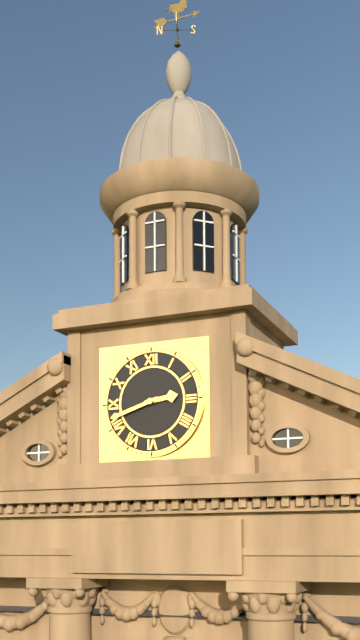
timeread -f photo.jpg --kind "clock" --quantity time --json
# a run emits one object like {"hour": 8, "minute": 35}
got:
{"hour": 2, "minute": 42}
